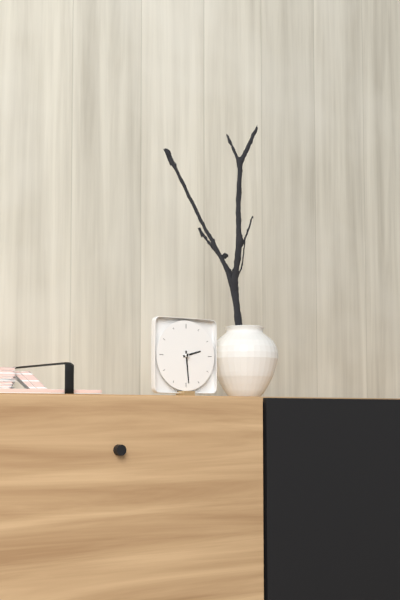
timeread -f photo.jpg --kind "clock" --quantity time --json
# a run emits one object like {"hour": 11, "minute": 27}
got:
{"hour": 2, "minute": 29}
